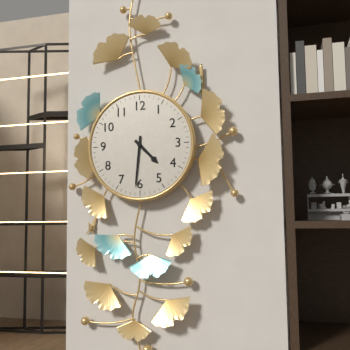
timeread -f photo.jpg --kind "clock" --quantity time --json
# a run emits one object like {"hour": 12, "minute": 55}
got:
{"hour": 4, "minute": 31}
